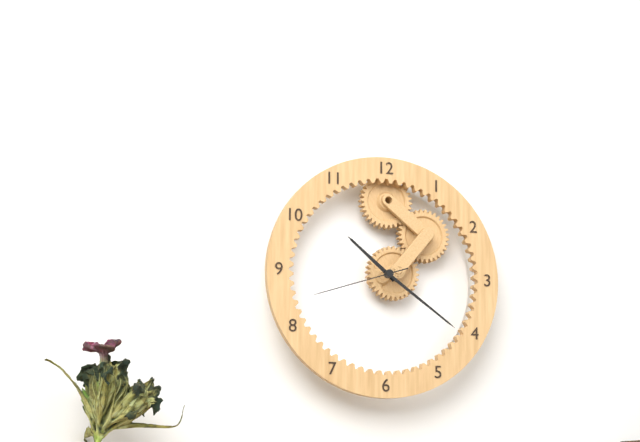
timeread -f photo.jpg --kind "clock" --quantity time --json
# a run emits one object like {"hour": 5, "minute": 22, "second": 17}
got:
{"hour": 10, "minute": 21, "second": 42}
